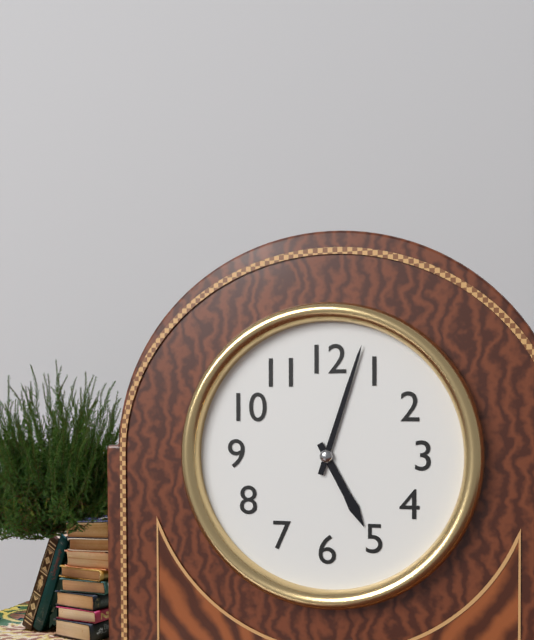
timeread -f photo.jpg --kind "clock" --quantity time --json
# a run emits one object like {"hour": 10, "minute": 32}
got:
{"hour": 5, "minute": 3}
